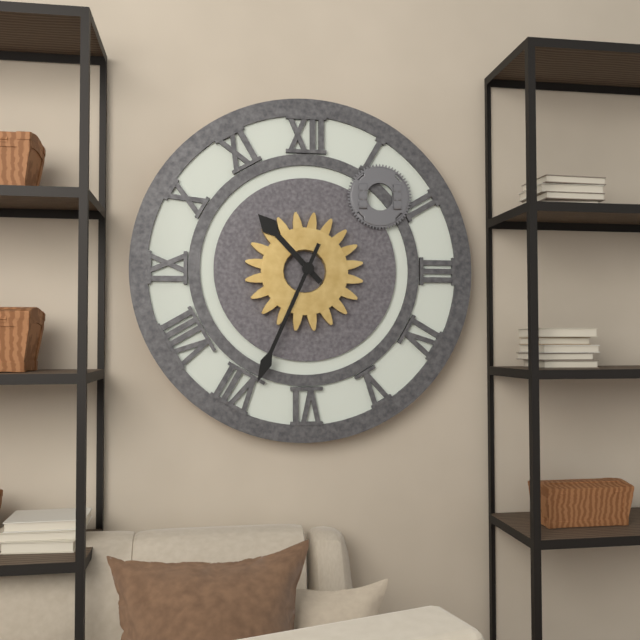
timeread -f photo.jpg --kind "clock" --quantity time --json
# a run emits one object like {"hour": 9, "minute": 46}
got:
{"hour": 10, "minute": 34}
